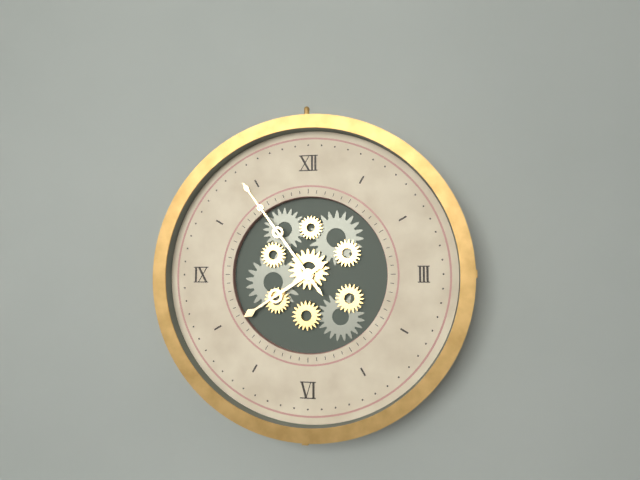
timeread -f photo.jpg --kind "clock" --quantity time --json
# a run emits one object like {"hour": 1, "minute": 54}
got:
{"hour": 7, "minute": 54}
